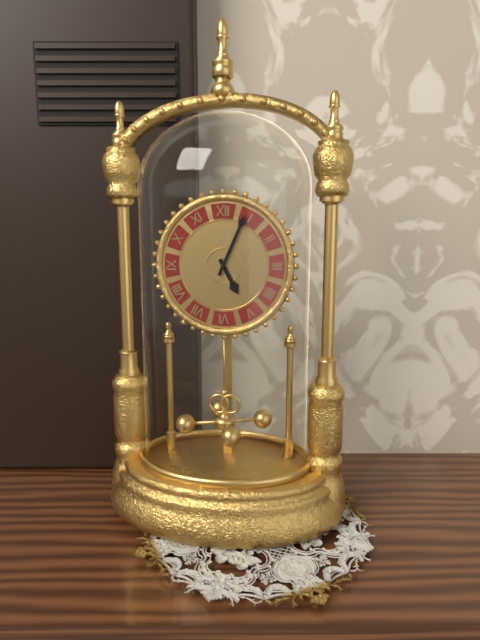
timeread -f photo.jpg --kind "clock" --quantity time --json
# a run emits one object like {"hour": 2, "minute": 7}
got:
{"hour": 5, "minute": 4}
